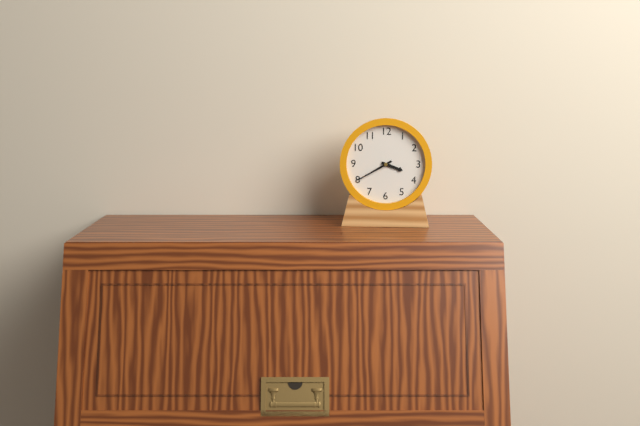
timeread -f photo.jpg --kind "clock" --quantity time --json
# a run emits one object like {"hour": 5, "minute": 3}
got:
{"hour": 3, "minute": 40}
